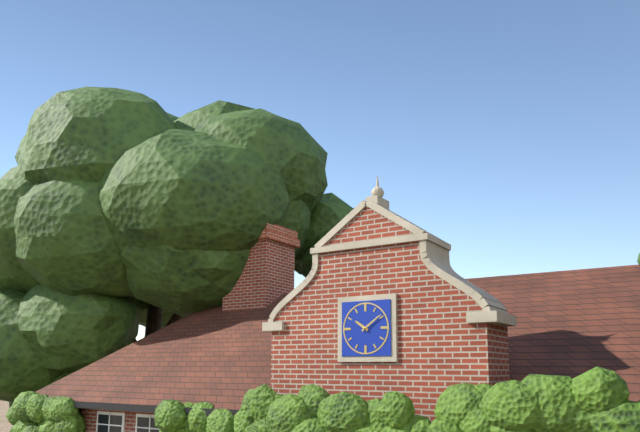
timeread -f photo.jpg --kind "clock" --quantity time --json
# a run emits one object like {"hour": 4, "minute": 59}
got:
{"hour": 10, "minute": 9}
